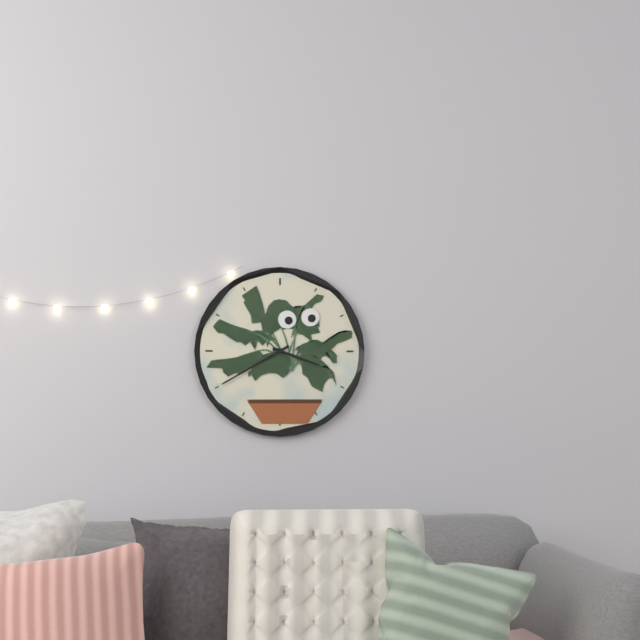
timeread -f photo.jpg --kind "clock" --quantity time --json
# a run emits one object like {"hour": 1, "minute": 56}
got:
{"hour": 3, "minute": 40}
